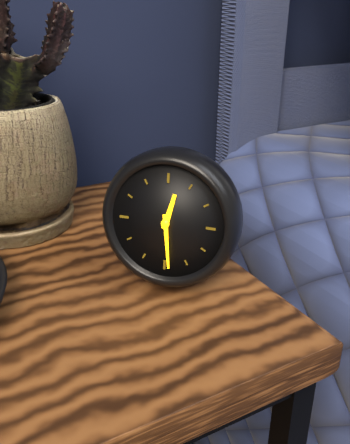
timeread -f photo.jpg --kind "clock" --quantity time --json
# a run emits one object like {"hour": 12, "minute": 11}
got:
{"hour": 12, "minute": 29}
